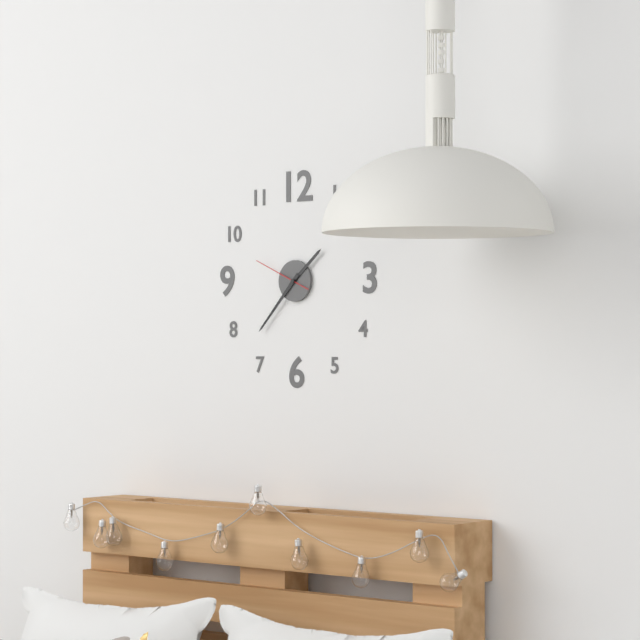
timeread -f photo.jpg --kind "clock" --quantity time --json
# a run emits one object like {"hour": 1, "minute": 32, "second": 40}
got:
{"hour": 1, "minute": 37, "second": 49}
